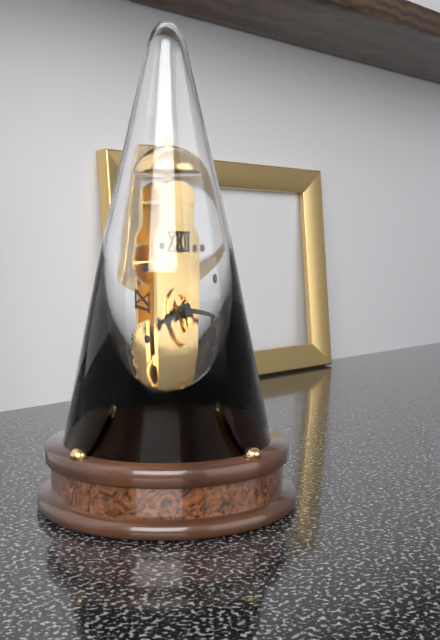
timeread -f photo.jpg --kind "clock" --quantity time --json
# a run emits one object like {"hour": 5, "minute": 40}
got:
{"hour": 8, "minute": 14}
